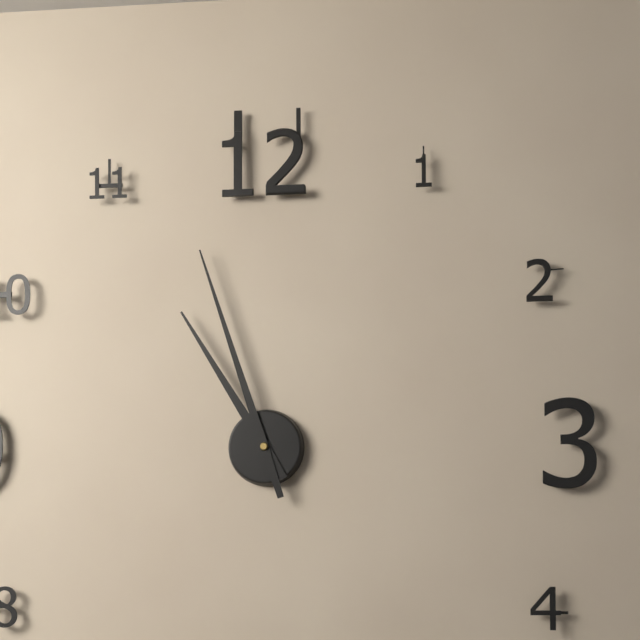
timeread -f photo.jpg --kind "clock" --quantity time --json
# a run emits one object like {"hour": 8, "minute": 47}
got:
{"hour": 10, "minute": 57}
